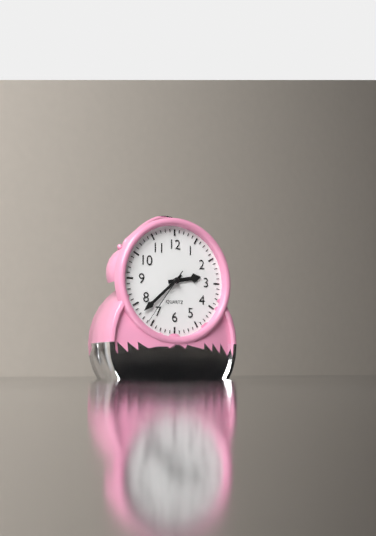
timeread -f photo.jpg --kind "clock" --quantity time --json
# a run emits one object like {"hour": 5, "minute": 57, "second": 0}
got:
{"hour": 2, "minute": 38, "second": 36}
